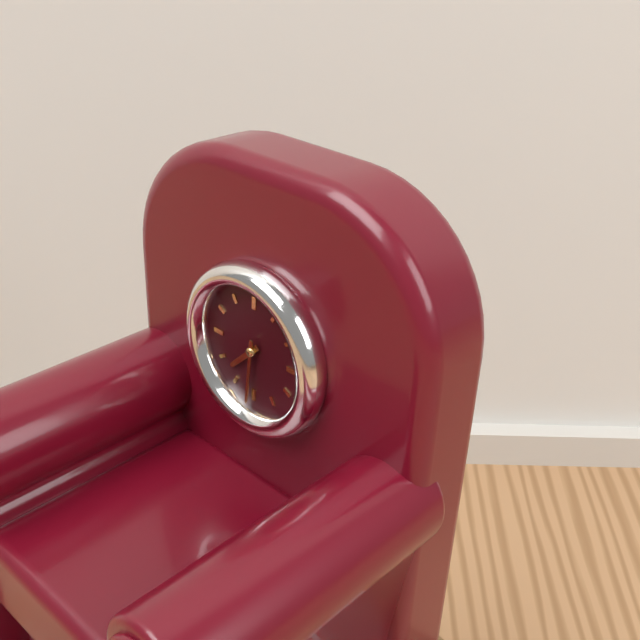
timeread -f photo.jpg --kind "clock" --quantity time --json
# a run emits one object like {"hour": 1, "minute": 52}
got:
{"hour": 7, "minute": 31}
